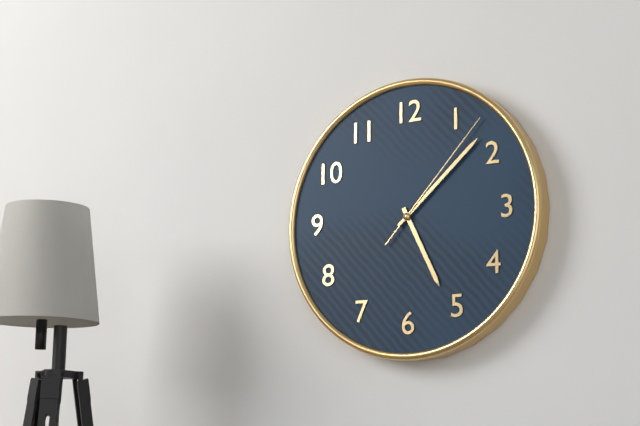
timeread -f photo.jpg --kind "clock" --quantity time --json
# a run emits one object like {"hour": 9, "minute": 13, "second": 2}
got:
{"hour": 5, "minute": 8, "second": 7}
